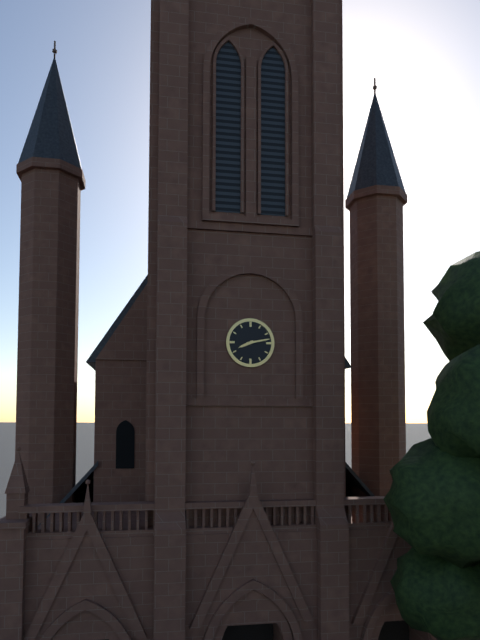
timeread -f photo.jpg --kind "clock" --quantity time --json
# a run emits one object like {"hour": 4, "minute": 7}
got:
{"hour": 8, "minute": 13}
